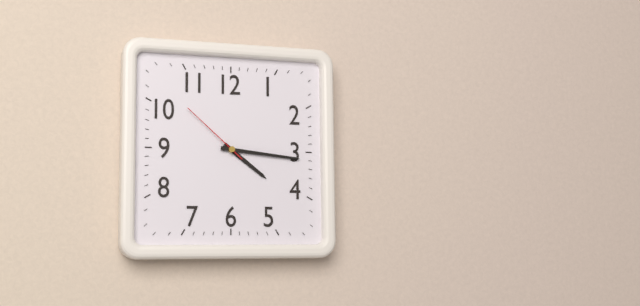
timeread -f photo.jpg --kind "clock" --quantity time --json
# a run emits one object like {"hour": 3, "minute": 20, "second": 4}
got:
{"hour": 4, "minute": 16, "second": 52}
